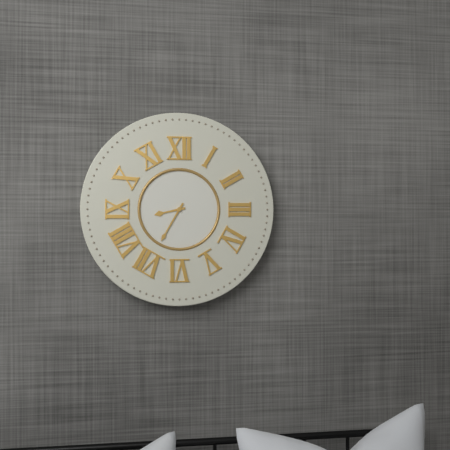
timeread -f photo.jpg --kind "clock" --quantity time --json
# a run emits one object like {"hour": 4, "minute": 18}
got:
{"hour": 8, "minute": 35}
